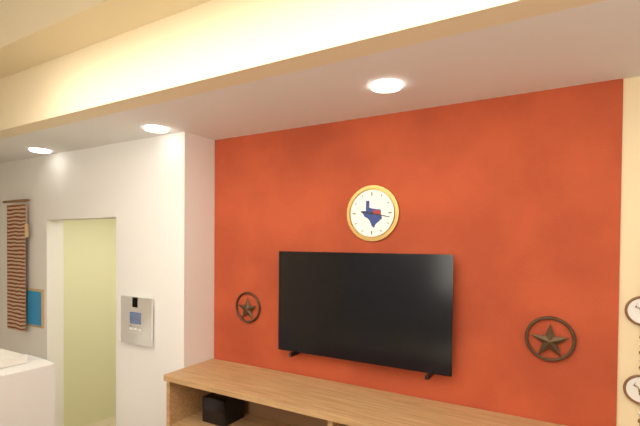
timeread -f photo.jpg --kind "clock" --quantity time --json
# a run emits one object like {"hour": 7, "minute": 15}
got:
{"hour": 9, "minute": 17}
